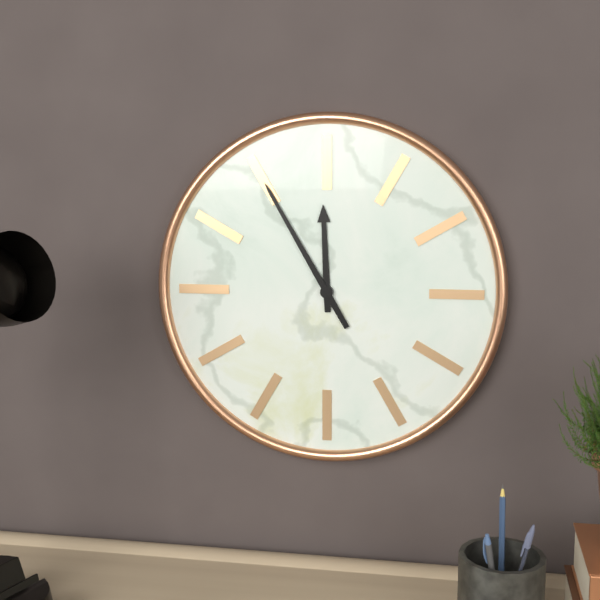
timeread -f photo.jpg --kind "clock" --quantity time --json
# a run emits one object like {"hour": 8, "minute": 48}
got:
{"hour": 11, "minute": 55}
